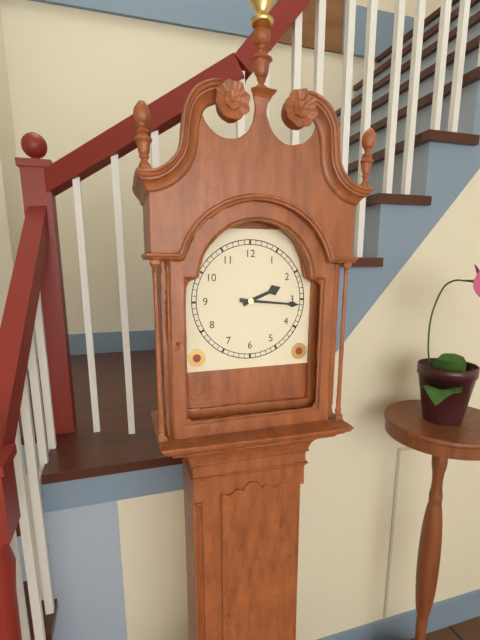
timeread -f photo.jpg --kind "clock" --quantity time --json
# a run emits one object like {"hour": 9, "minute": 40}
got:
{"hour": 2, "minute": 16}
